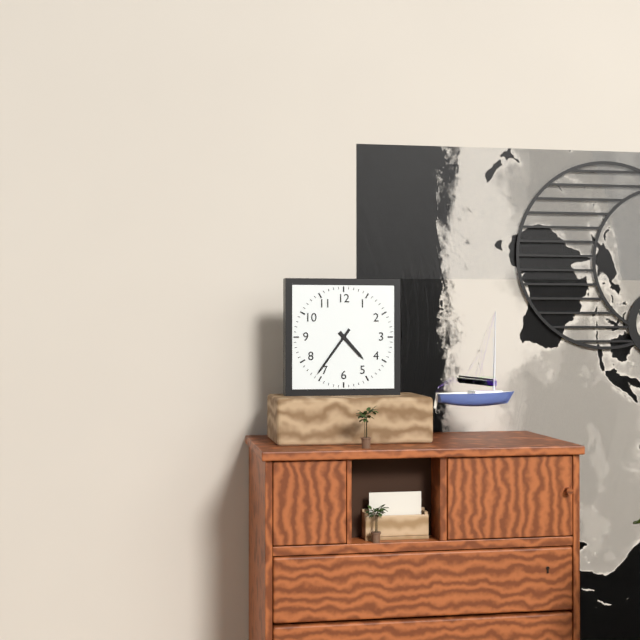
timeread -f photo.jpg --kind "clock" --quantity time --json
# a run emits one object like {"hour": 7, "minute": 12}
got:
{"hour": 4, "minute": 36}
